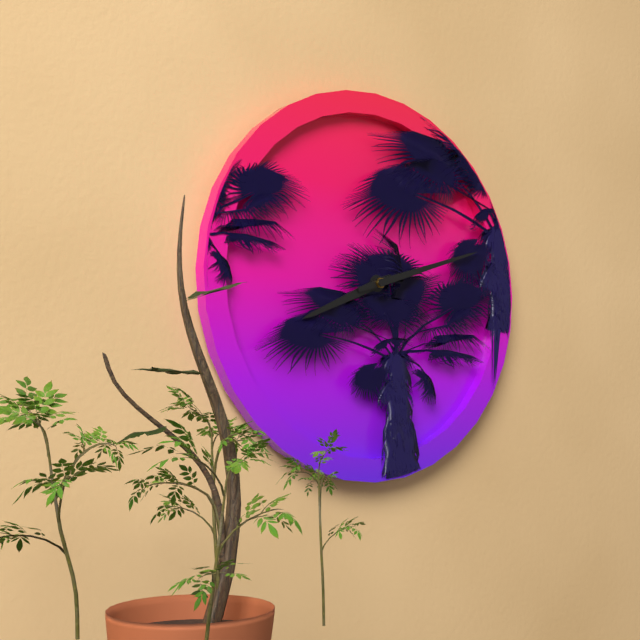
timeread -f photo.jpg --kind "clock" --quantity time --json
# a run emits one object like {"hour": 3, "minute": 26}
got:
{"hour": 8, "minute": 12}
